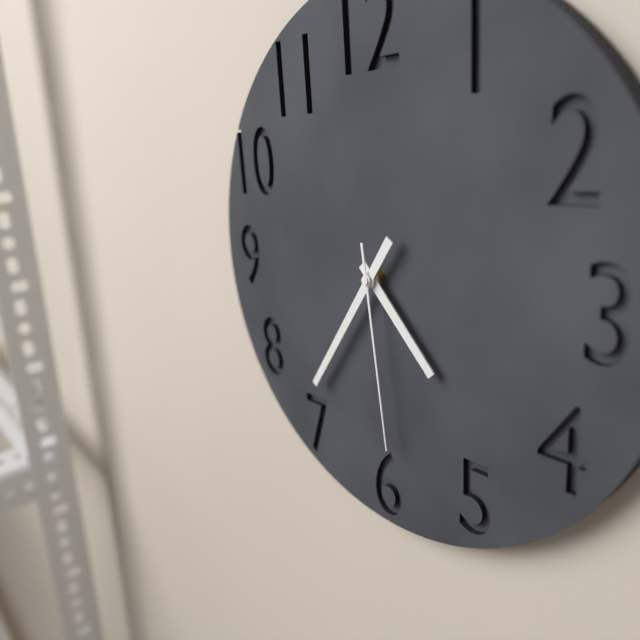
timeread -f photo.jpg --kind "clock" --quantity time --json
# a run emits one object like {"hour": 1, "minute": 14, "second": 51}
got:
{"hour": 4, "minute": 36, "second": 29}
